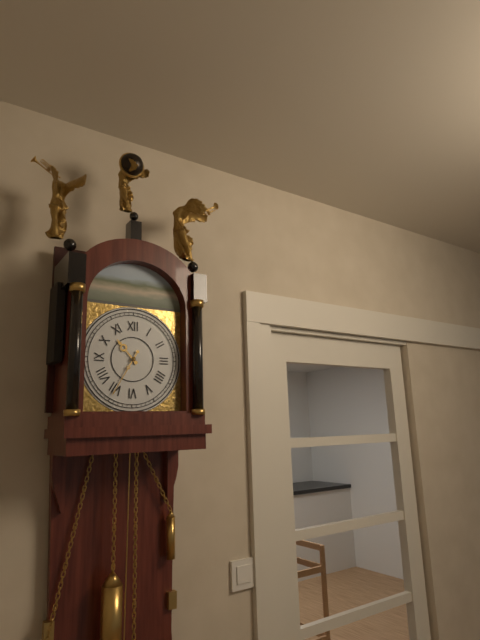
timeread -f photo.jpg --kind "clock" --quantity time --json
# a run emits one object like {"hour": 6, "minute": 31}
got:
{"hour": 10, "minute": 35}
